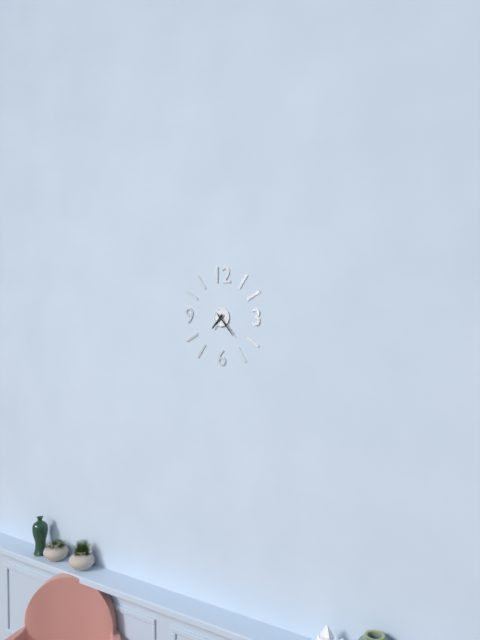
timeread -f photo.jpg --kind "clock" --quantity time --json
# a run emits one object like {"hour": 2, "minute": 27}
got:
{"hour": 7, "minute": 23}
